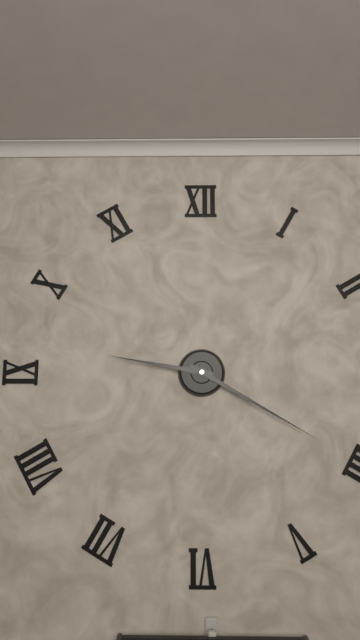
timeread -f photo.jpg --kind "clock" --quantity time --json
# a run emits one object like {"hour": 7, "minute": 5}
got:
{"hour": 9, "minute": 20}
